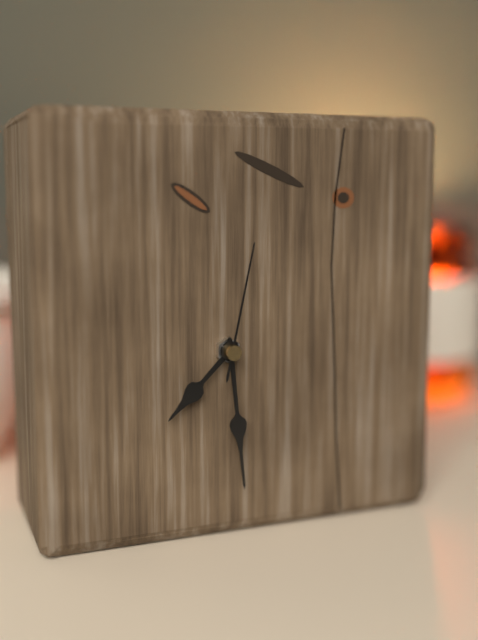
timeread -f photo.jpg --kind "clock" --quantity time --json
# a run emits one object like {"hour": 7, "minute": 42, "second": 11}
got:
{"hour": 7, "minute": 29, "second": 2}
